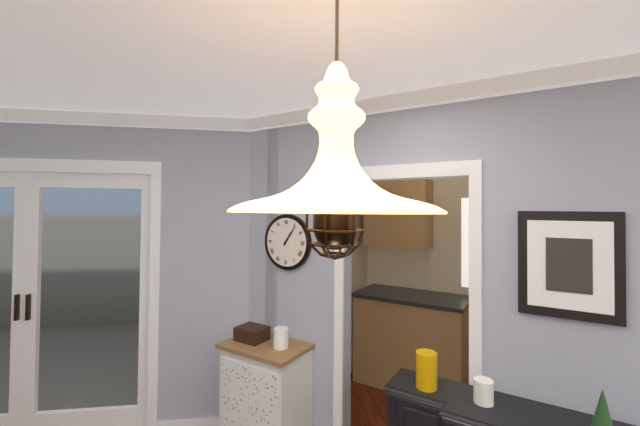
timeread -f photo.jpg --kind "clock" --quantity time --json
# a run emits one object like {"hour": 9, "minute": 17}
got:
{"hour": 1, "minute": 6}
